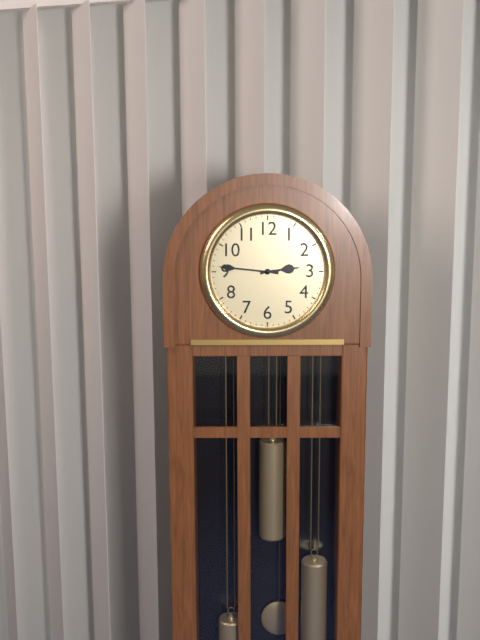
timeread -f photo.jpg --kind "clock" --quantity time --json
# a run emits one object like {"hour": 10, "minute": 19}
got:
{"hour": 2, "minute": 46}
